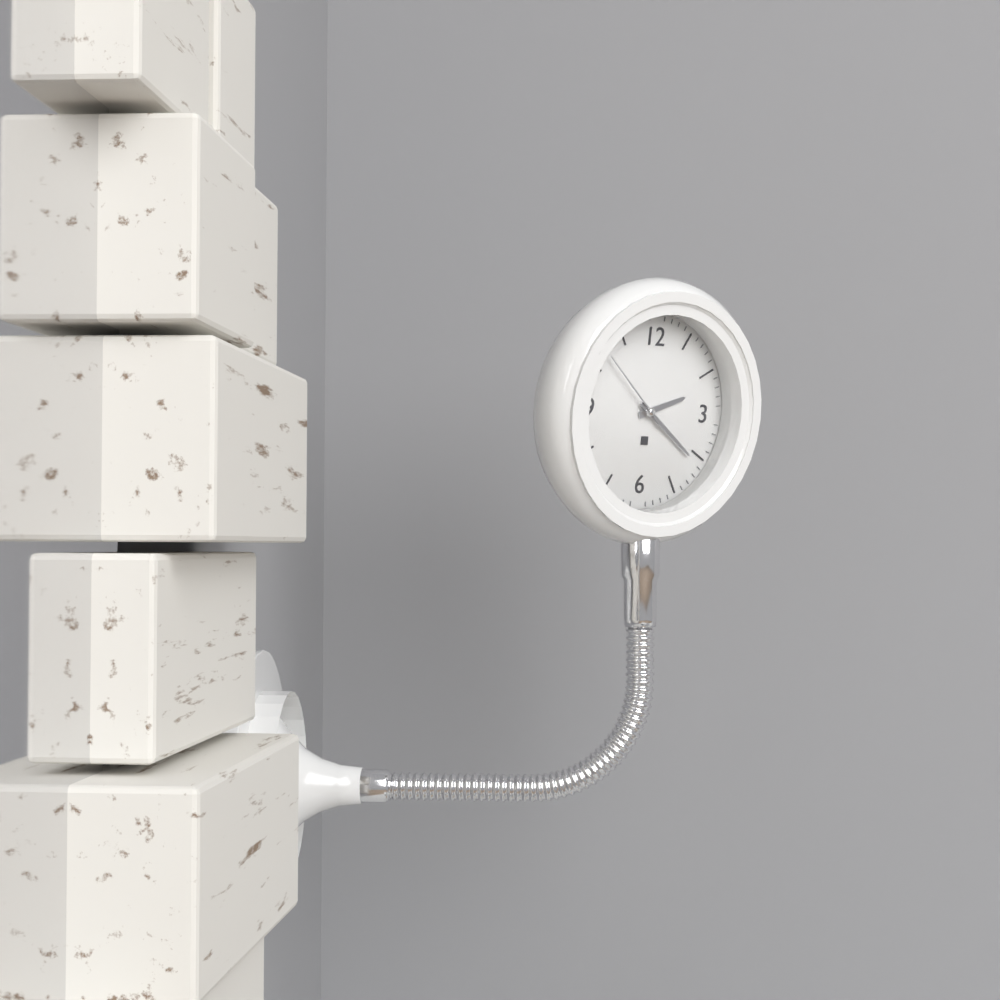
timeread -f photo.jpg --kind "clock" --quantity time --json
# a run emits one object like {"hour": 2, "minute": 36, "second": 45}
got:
{"hour": 2, "minute": 21, "second": 52}
